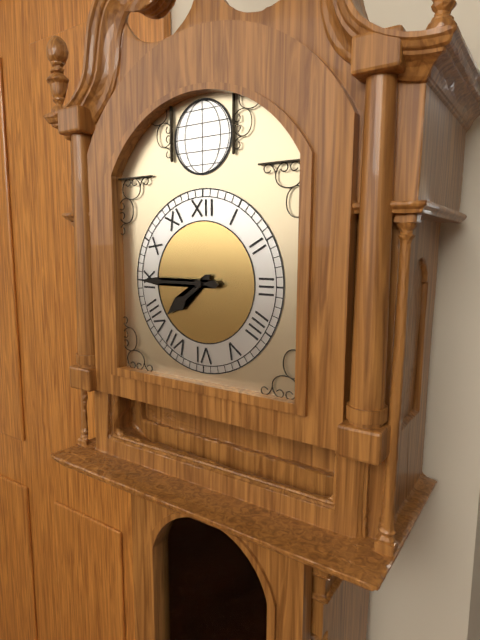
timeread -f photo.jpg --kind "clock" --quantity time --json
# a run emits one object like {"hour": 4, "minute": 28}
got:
{"hour": 7, "minute": 45}
